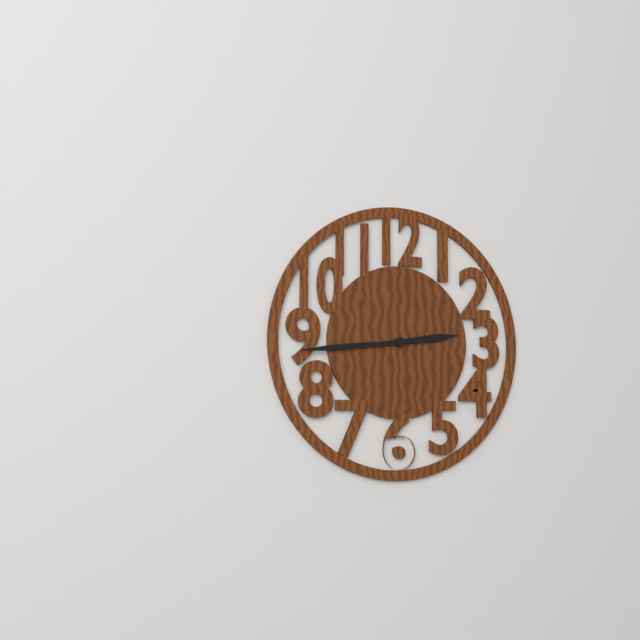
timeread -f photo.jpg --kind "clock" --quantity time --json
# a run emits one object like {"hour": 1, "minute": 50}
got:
{"hour": 2, "minute": 44}
